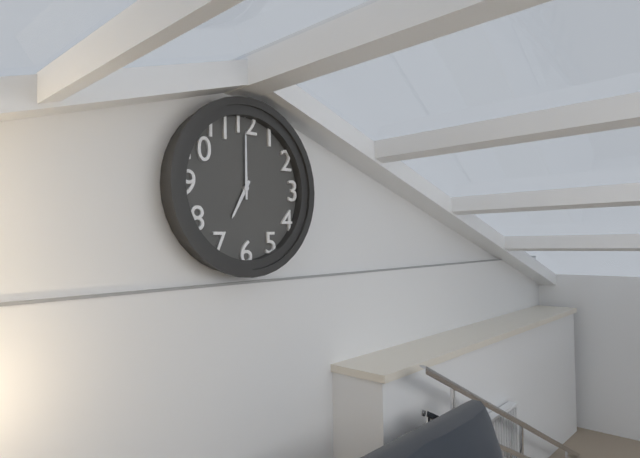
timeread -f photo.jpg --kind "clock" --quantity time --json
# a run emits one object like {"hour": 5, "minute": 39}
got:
{"hour": 7, "minute": 0}
